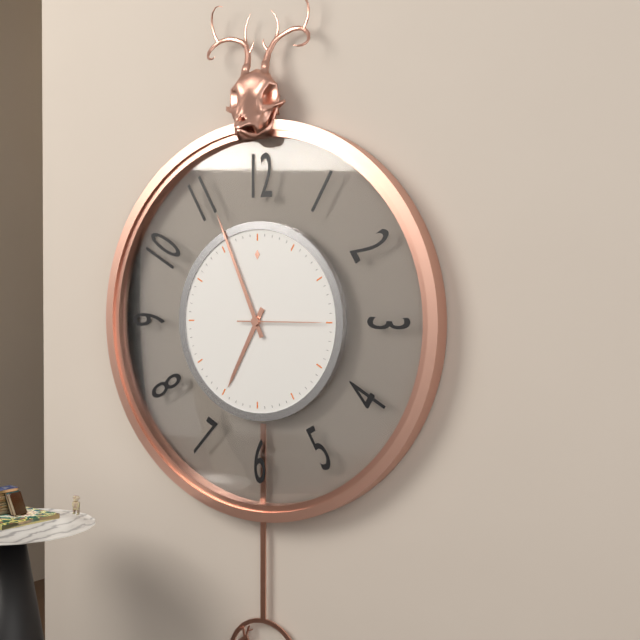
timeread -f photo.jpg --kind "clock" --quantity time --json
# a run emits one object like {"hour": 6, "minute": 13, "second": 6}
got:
{"hour": 6, "minute": 56, "second": 15}
